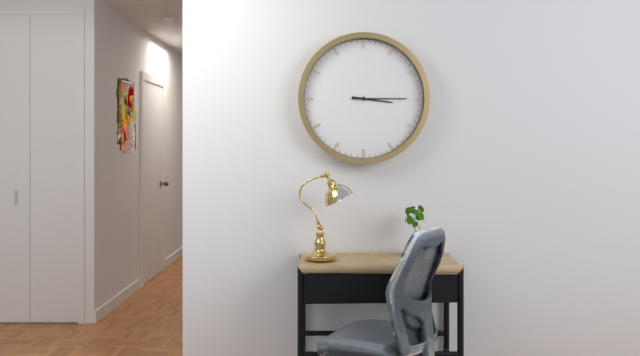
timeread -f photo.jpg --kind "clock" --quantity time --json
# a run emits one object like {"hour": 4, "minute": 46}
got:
{"hour": 3, "minute": 15}
